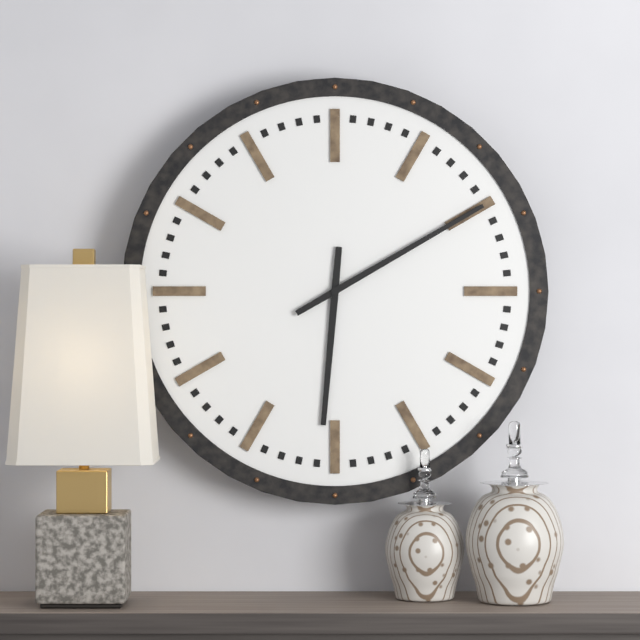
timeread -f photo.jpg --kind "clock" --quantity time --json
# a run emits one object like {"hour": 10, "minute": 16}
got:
{"hour": 6, "minute": 10}
